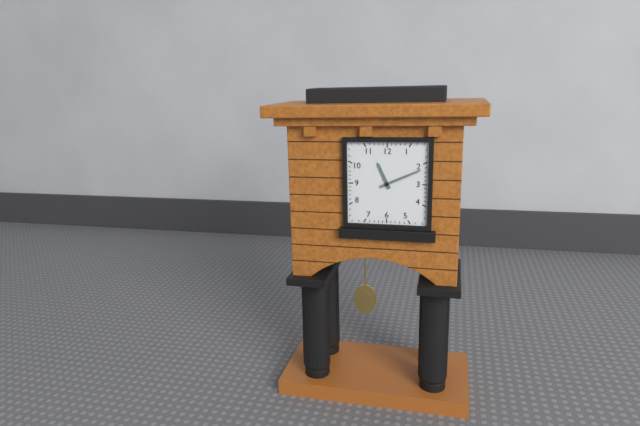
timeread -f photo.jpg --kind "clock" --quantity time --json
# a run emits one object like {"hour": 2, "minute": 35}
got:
{"hour": 11, "minute": 11}
